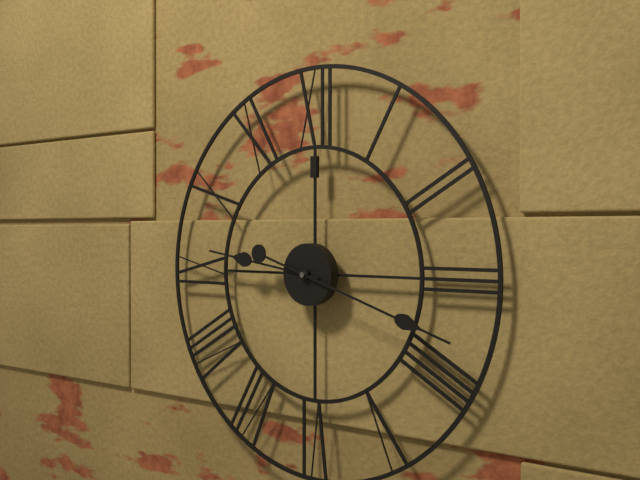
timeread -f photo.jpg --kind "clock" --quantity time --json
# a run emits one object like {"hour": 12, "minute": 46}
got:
{"hour": 9, "minute": 18}
